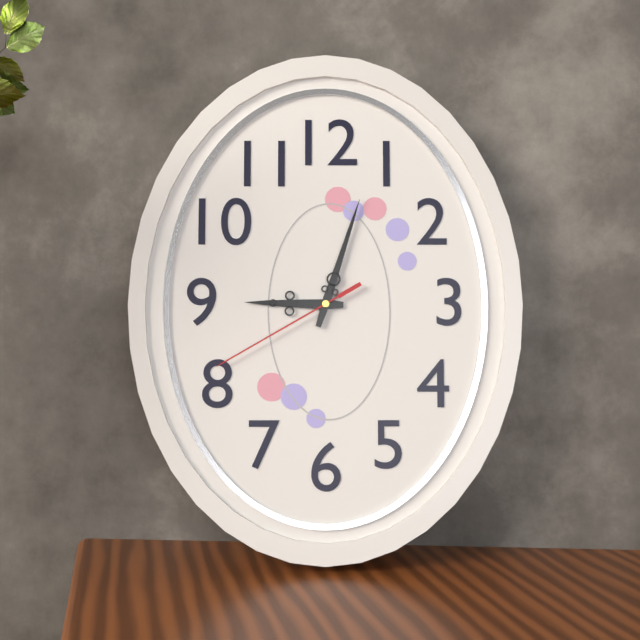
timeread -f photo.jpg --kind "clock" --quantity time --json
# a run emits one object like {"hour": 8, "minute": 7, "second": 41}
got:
{"hour": 9, "minute": 3, "second": 40}
